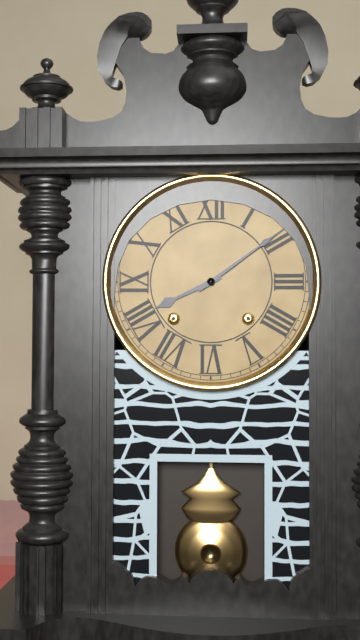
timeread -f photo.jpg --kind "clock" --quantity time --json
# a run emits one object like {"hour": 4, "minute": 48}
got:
{"hour": 8, "minute": 9}
